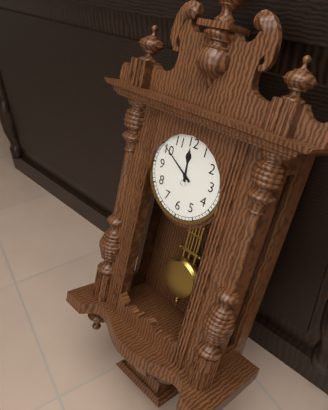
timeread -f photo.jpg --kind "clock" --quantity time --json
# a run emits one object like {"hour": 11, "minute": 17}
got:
{"hour": 11, "minute": 50}
